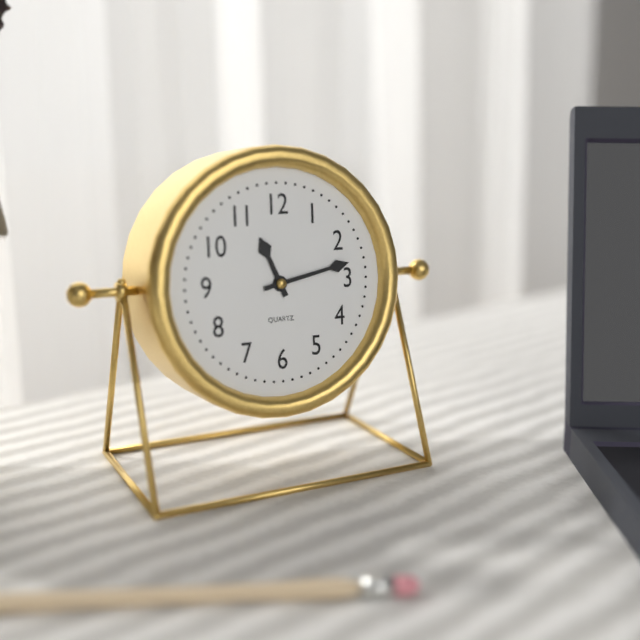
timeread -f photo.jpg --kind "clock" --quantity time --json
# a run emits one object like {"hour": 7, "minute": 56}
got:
{"hour": 11, "minute": 13}
